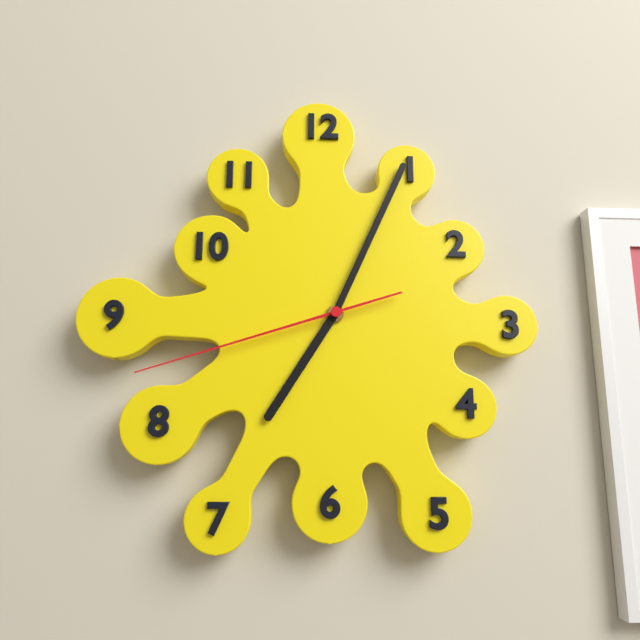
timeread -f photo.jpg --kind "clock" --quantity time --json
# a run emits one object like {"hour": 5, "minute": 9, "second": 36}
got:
{"hour": 7, "minute": 4, "second": 42}
